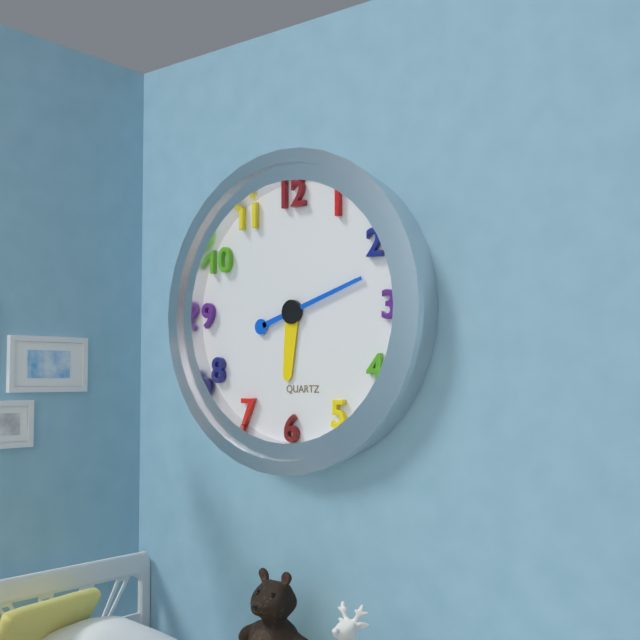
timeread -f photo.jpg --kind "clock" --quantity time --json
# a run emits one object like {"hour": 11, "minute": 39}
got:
{"hour": 6, "minute": 12}
